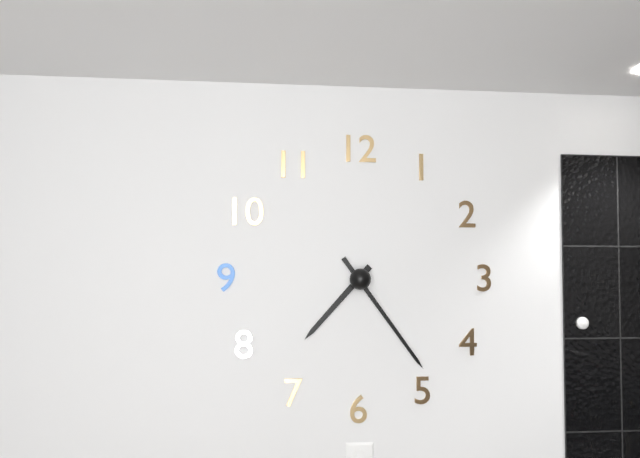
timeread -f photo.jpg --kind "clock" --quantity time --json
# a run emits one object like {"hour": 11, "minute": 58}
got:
{"hour": 7, "minute": 24}
